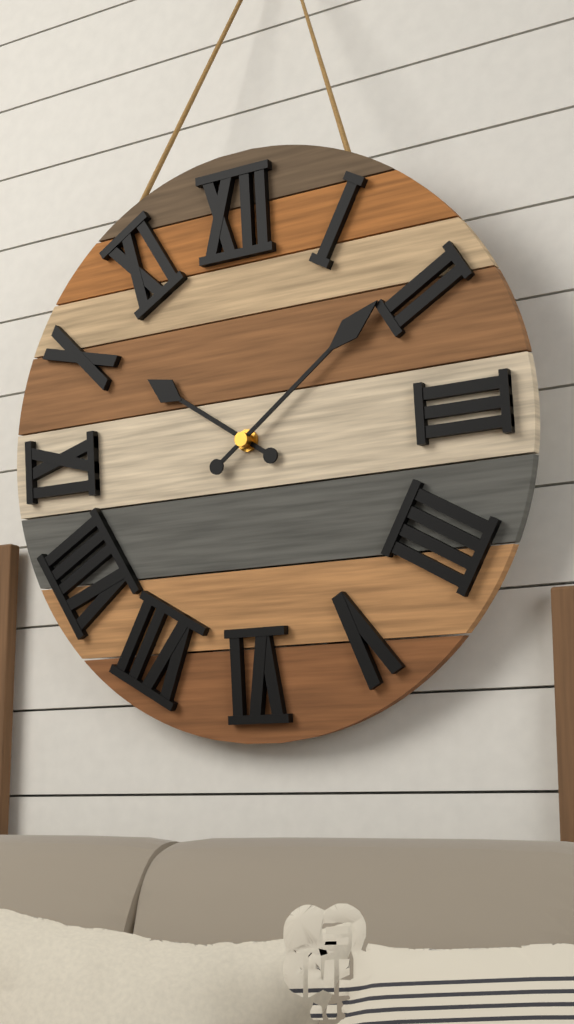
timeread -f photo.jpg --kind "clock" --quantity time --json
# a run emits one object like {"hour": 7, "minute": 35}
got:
{"hour": 10, "minute": 9}
